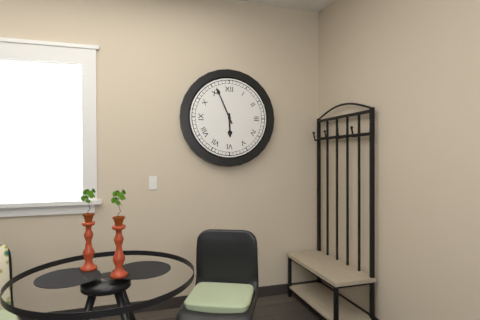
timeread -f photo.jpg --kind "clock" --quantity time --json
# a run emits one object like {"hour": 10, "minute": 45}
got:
{"hour": 5, "minute": 56}
